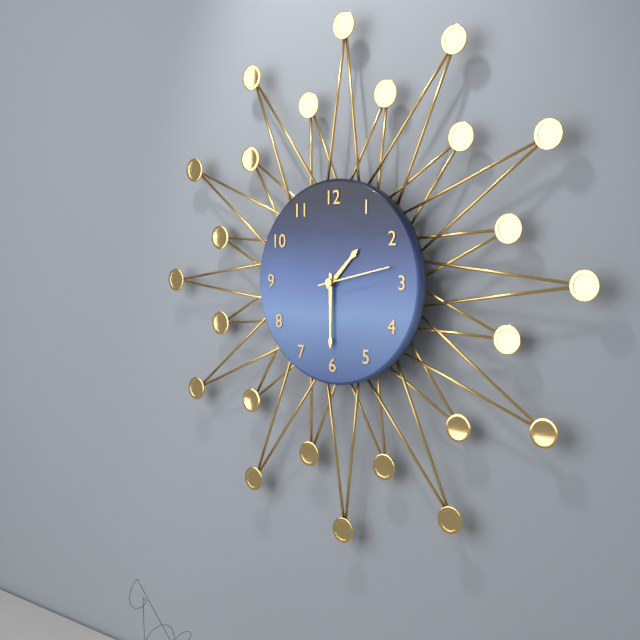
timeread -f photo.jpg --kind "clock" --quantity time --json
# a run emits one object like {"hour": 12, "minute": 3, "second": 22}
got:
{"hour": 1, "minute": 30, "second": 13}
